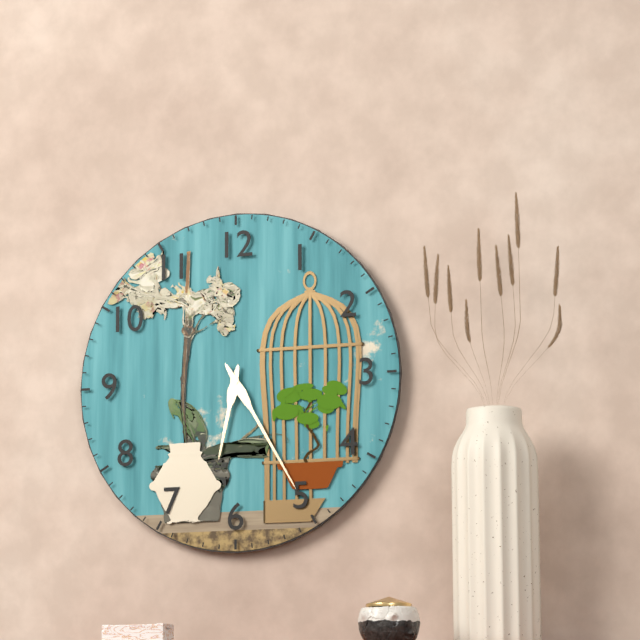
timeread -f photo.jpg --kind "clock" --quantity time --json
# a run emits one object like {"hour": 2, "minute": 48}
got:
{"hour": 6, "minute": 25}
